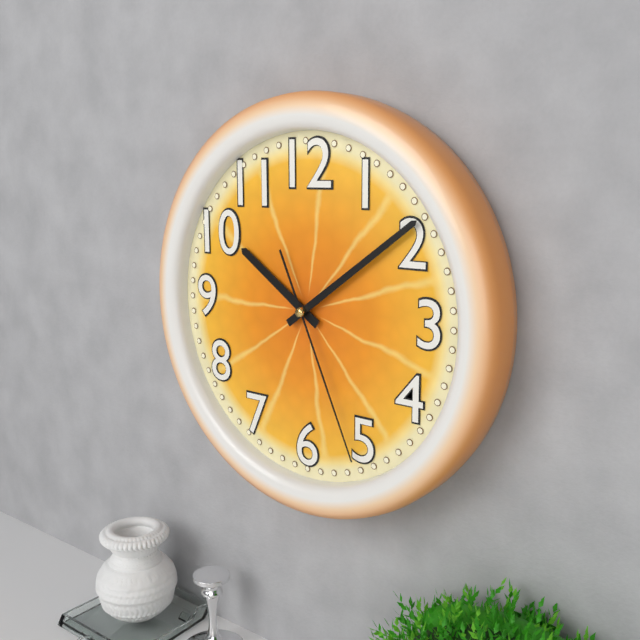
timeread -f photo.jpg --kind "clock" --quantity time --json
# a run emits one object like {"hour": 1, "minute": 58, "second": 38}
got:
{"hour": 10, "minute": 9, "second": 26}
